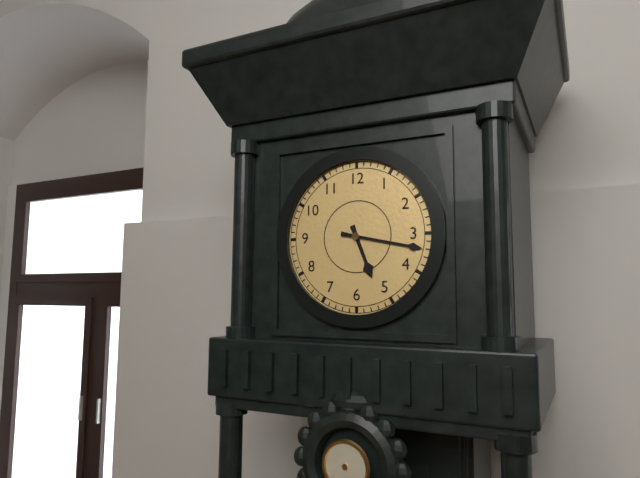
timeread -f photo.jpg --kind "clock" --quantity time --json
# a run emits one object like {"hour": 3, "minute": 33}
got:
{"hour": 5, "minute": 17}
